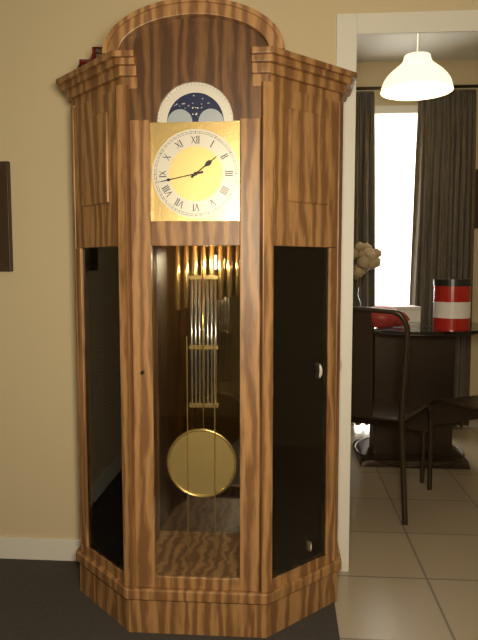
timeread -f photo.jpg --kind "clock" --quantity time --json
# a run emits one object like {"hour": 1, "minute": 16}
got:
{"hour": 1, "minute": 43}
